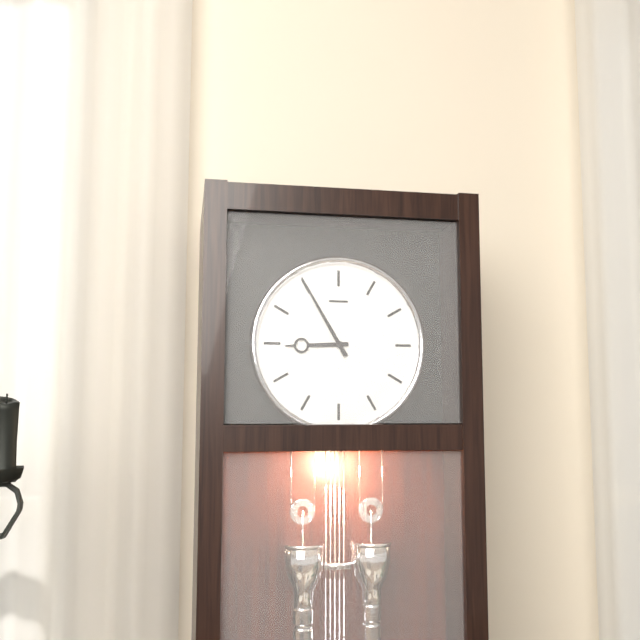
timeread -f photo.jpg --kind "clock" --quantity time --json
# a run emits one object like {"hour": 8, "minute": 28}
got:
{"hour": 8, "minute": 55}
